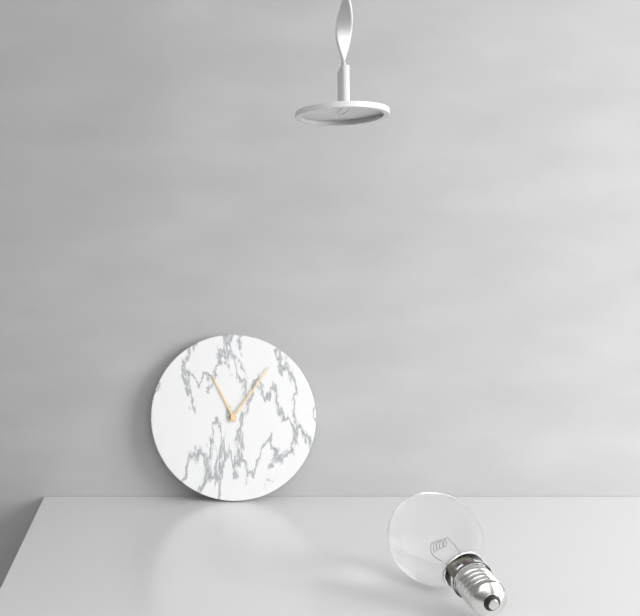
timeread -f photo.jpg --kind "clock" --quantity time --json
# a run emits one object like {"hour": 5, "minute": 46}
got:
{"hour": 11, "minute": 6}
